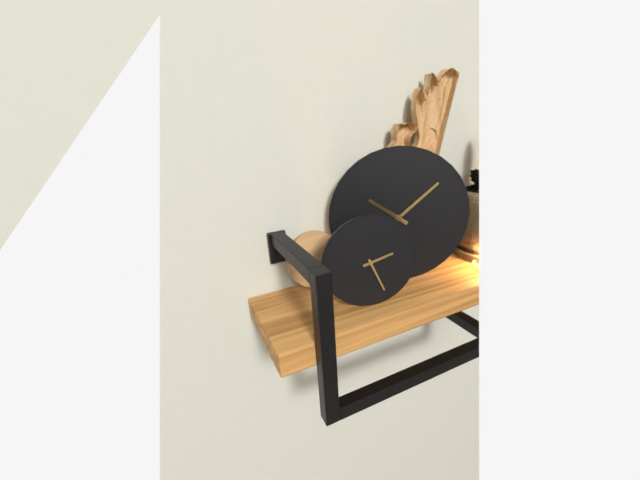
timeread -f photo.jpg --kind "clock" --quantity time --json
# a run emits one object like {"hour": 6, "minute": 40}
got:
{"hour": 2, "minute": 26}
